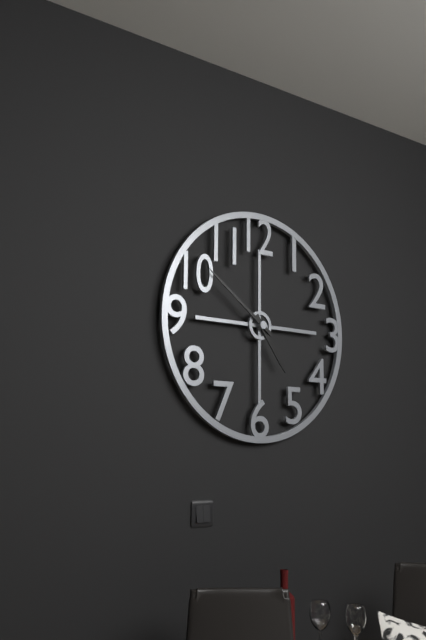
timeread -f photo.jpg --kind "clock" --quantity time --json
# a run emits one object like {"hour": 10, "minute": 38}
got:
{"hour": 4, "minute": 51}
